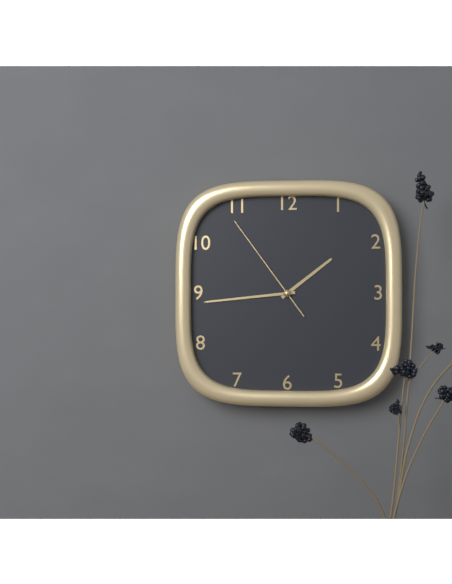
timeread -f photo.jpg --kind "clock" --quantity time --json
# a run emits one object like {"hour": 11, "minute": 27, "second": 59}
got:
{"hour": 1, "minute": 44, "second": 54}
